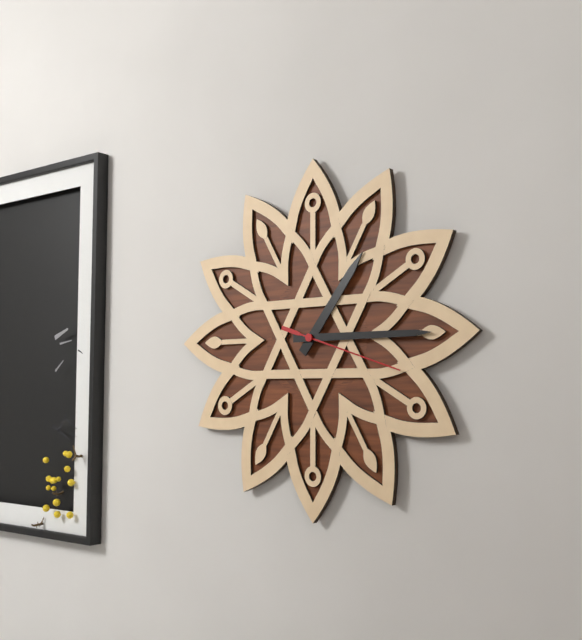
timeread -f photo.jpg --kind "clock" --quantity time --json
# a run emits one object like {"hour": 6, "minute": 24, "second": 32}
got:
{"hour": 1, "minute": 15, "second": 18}
